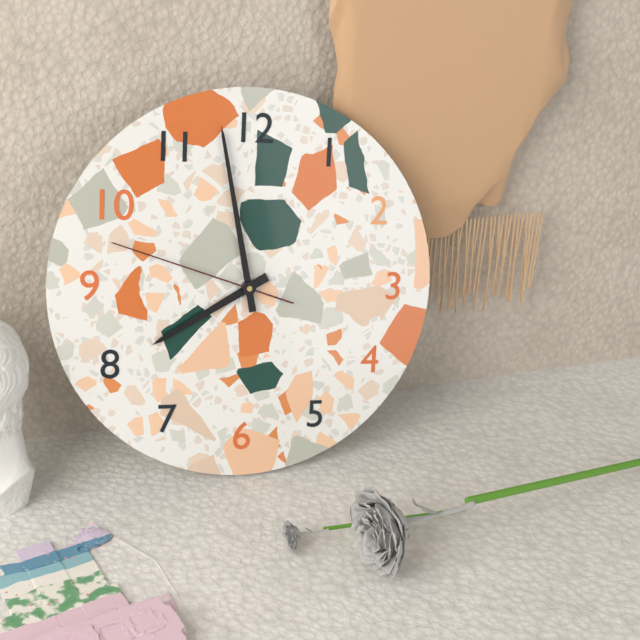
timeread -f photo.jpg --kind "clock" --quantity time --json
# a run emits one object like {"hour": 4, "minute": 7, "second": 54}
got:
{"hour": 7, "minute": 58, "second": 48}
